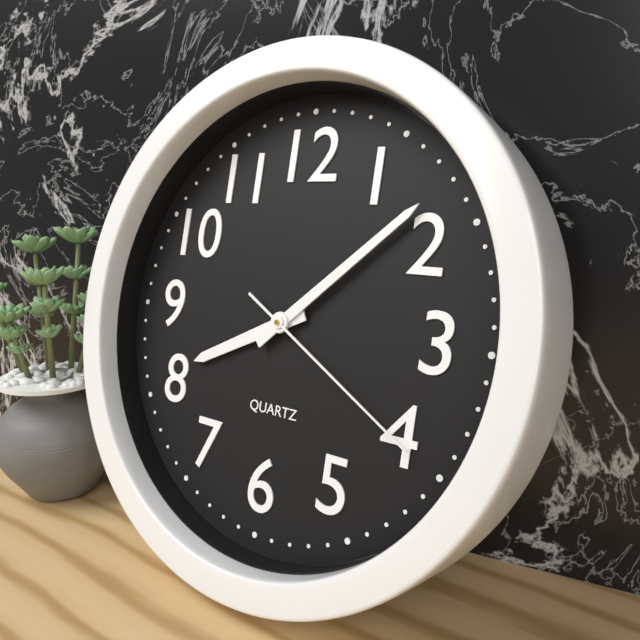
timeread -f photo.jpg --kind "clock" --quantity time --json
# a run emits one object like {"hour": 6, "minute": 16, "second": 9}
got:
{"hour": 8, "minute": 8, "second": 20}
